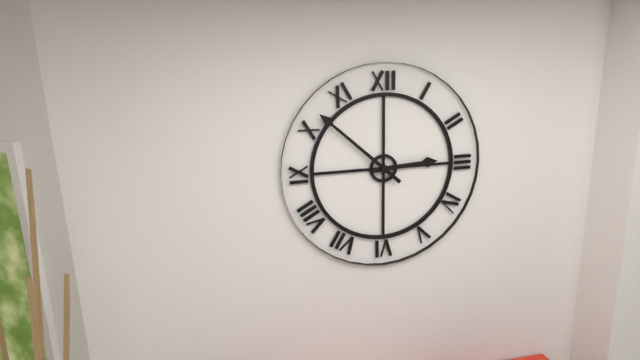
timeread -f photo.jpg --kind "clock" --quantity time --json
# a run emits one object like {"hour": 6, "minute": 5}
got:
{"hour": 2, "minute": 52}
